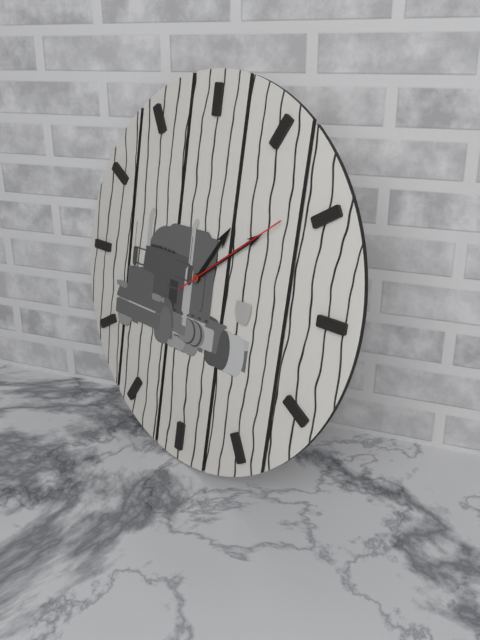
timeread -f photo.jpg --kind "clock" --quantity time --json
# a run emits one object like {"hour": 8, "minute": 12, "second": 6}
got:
{"hour": 1, "minute": 9, "second": 9}
